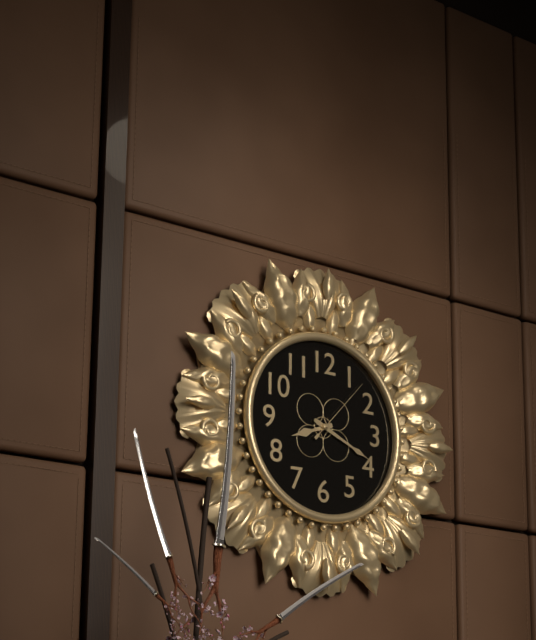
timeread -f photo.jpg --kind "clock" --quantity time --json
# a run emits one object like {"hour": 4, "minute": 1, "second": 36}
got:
{"hour": 8, "minute": 19, "second": 7}
